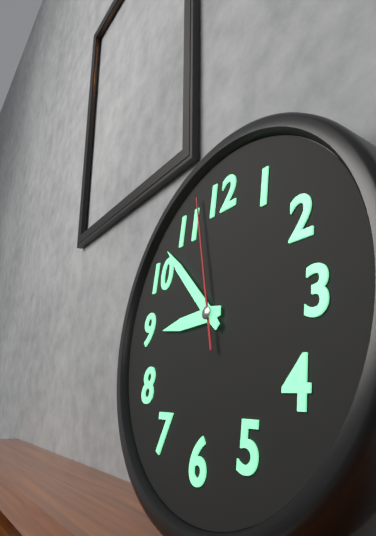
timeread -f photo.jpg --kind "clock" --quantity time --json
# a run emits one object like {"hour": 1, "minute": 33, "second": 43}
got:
{"hour": 8, "minute": 52, "second": 57}
